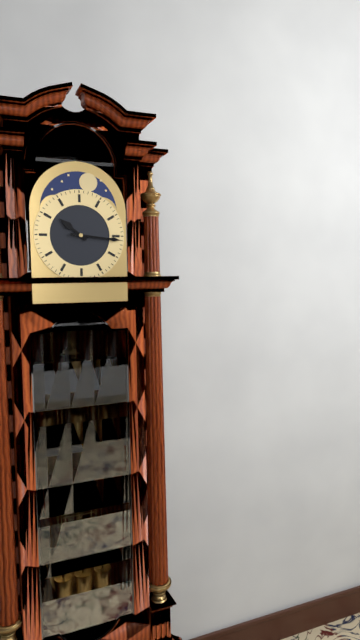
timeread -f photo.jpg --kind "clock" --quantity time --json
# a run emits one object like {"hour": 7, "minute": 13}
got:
{"hour": 10, "minute": 16}
